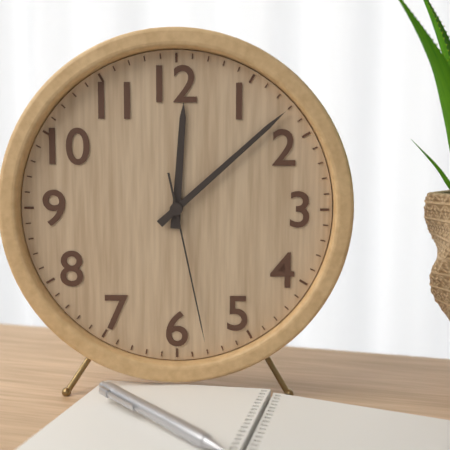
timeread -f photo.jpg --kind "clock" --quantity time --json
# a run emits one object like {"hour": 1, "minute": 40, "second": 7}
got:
{"hour": 12, "minute": 8, "second": 28}
